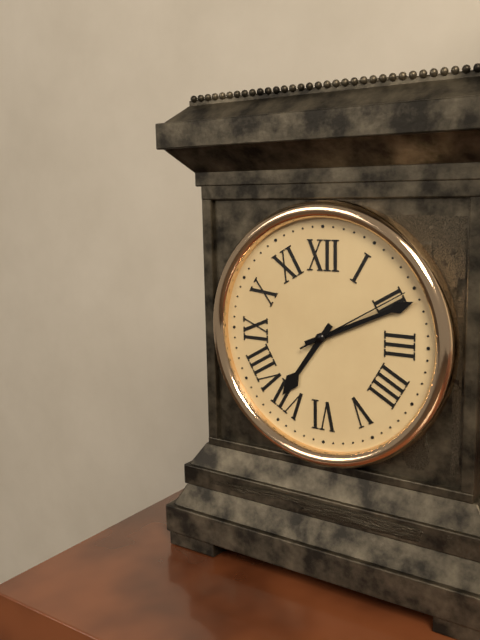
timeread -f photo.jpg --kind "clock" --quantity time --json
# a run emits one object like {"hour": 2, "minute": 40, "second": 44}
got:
{"hour": 7, "minute": 11, "second": 10}
